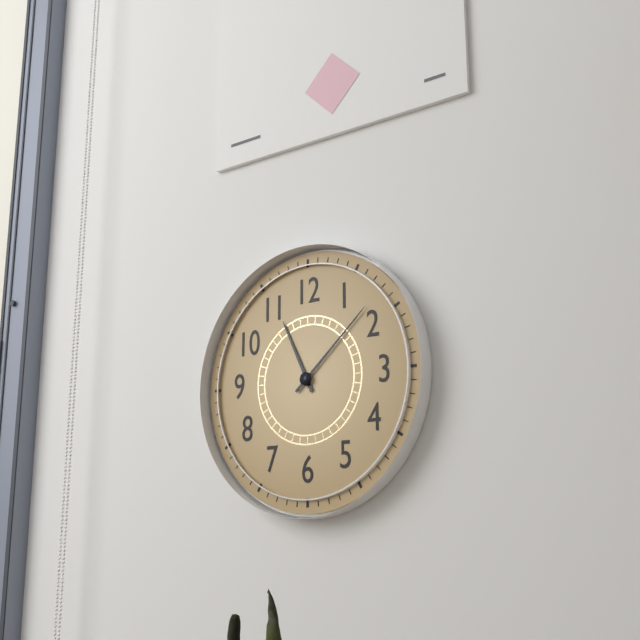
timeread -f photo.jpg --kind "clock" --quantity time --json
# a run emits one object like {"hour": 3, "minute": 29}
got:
{"hour": 11, "minute": 8}
